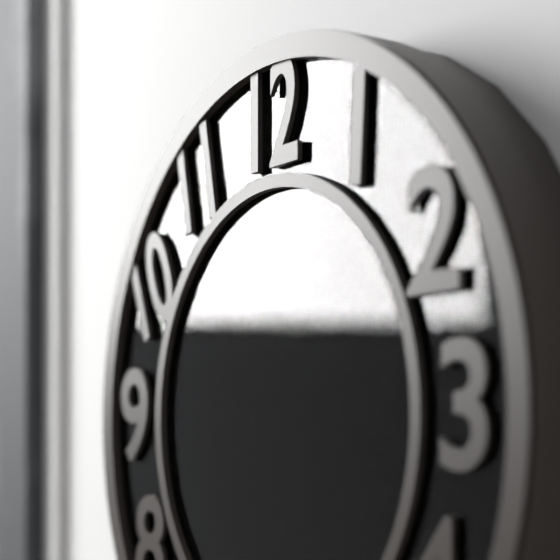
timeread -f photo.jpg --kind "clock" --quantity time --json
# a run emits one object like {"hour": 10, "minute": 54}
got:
{"hour": 4, "minute": 39}
